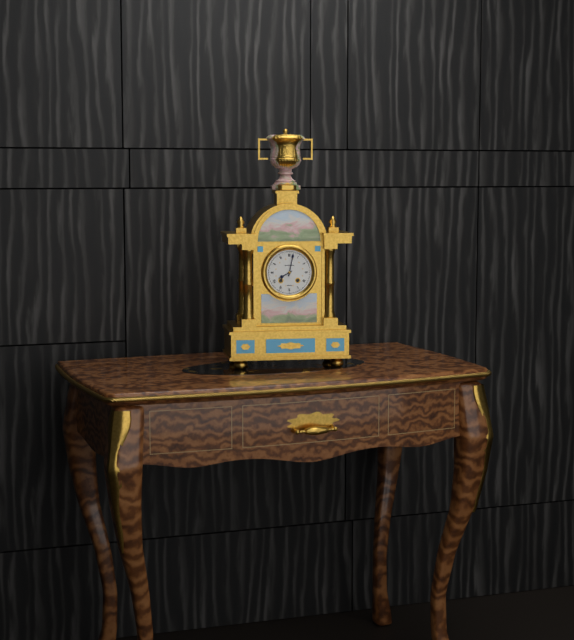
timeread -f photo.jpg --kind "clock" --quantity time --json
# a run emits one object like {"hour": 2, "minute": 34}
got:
{"hour": 8, "minute": 2}
